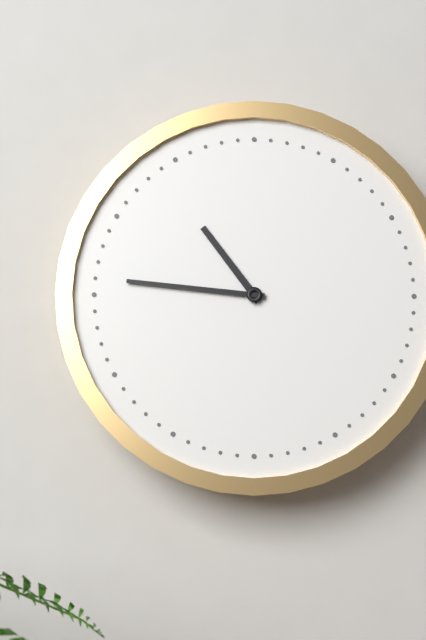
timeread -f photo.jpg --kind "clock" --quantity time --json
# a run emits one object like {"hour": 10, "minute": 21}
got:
{"hour": 10, "minute": 46}
